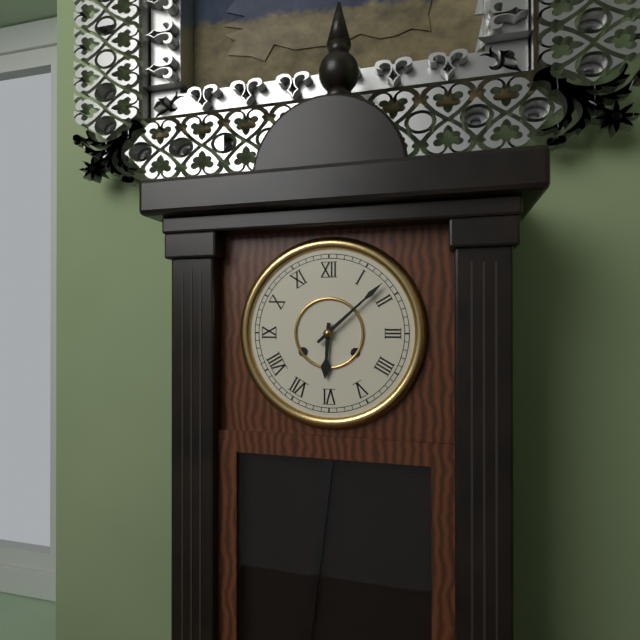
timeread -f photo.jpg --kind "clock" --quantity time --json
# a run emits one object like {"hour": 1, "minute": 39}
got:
{"hour": 6, "minute": 8}
